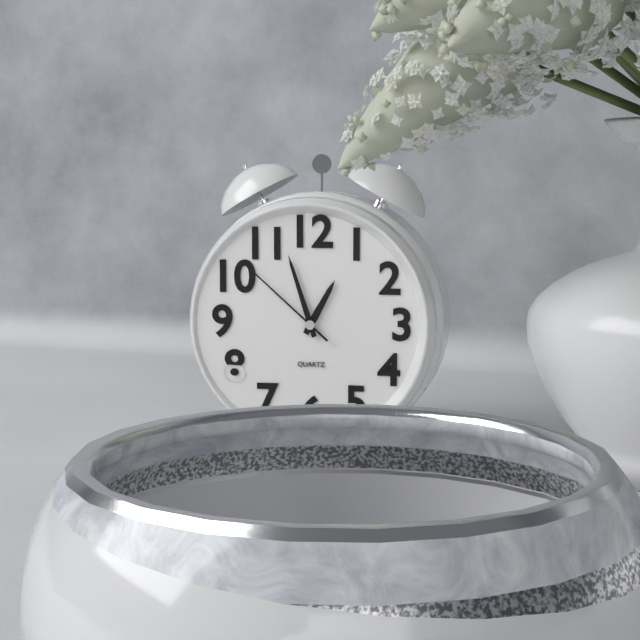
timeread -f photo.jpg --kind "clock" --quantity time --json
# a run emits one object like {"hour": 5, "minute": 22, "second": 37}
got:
{"hour": 12, "minute": 57, "second": 52}
